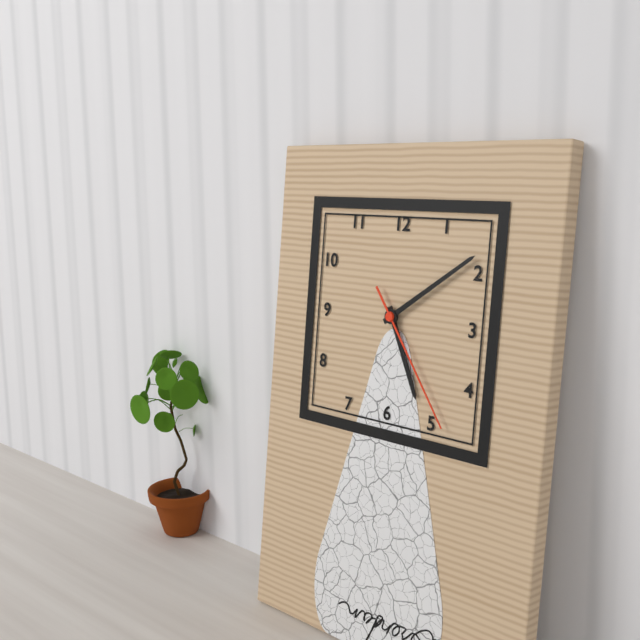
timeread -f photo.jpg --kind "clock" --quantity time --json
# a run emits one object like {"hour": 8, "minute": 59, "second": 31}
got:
{"hour": 5, "minute": 9, "second": 24}
